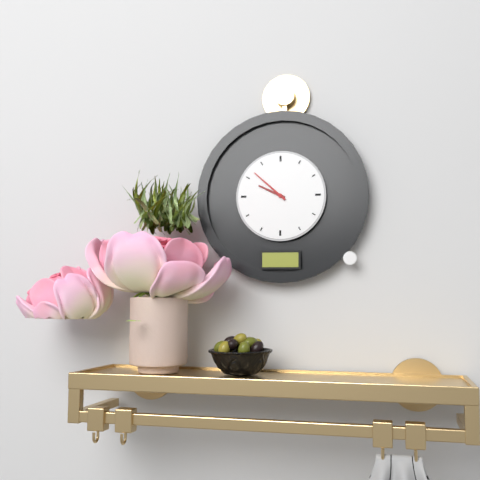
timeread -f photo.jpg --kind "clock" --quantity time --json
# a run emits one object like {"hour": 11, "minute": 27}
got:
{"hour": 9, "minute": 52}
